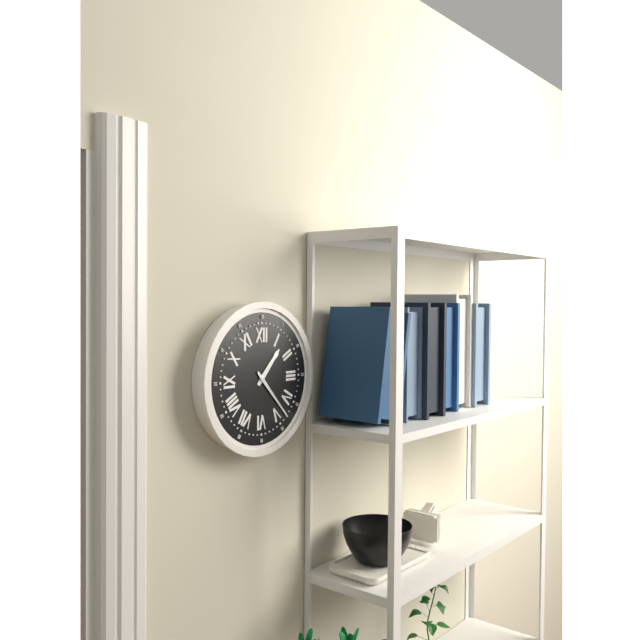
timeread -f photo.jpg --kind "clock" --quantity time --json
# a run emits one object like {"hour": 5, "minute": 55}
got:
{"hour": 1, "minute": 23}
